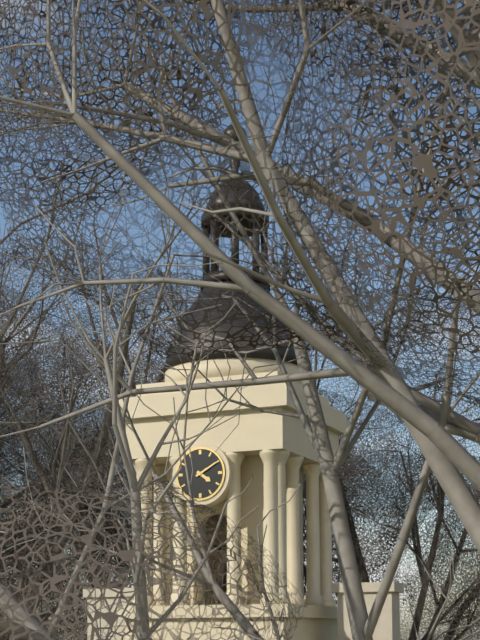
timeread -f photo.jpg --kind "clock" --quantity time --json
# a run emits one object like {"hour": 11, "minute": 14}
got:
{"hour": 4, "minute": 10}
